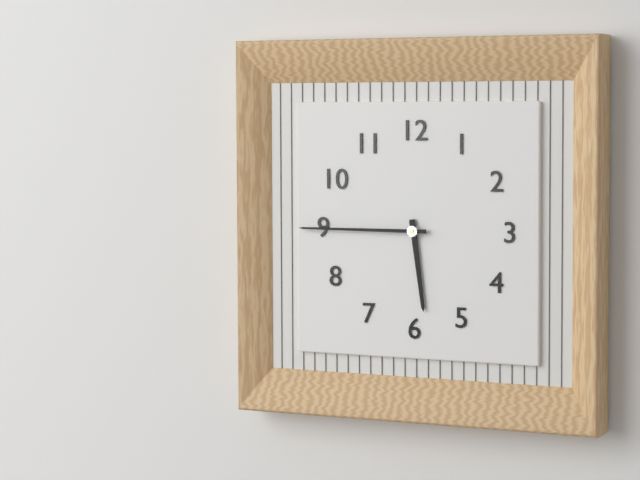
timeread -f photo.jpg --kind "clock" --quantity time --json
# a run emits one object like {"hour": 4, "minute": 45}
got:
{"hour": 5, "minute": 45}
